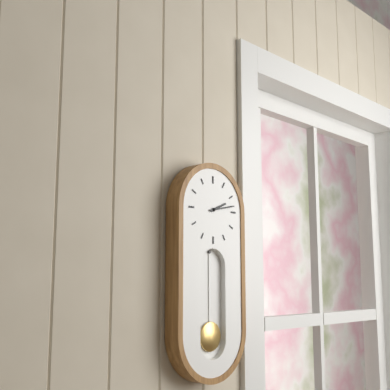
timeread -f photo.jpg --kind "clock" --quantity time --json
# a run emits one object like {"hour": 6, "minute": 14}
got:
{"hour": 2, "minute": 13}
